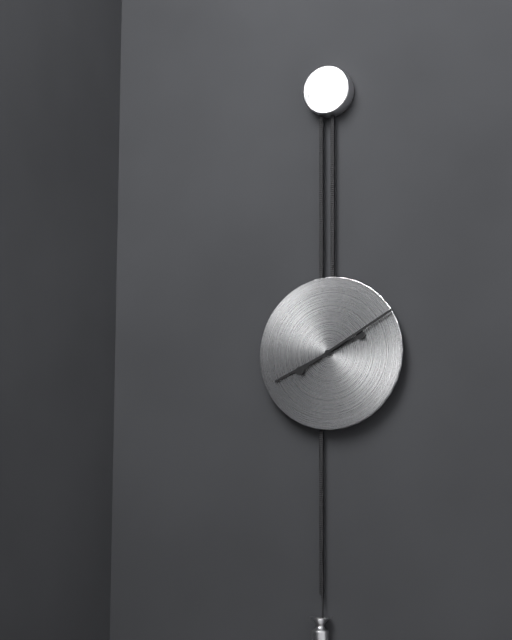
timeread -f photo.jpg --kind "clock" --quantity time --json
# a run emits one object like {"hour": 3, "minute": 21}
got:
{"hour": 8, "minute": 10}
